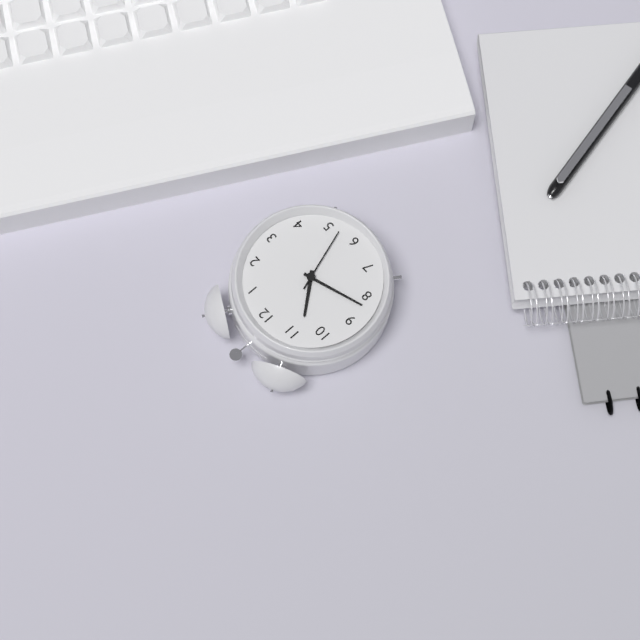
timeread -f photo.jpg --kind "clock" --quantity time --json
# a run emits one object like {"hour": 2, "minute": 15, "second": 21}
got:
{"hour": 10, "minute": 42, "second": 27}
